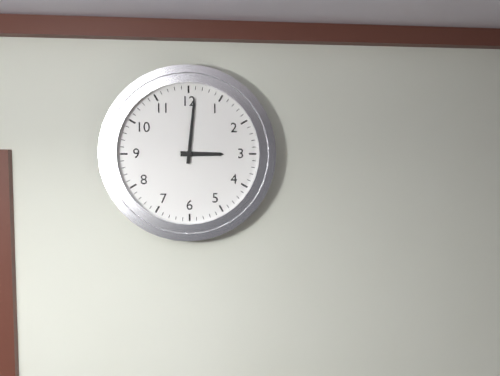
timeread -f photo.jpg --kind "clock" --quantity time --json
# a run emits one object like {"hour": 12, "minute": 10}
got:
{"hour": 3, "minute": 1}
